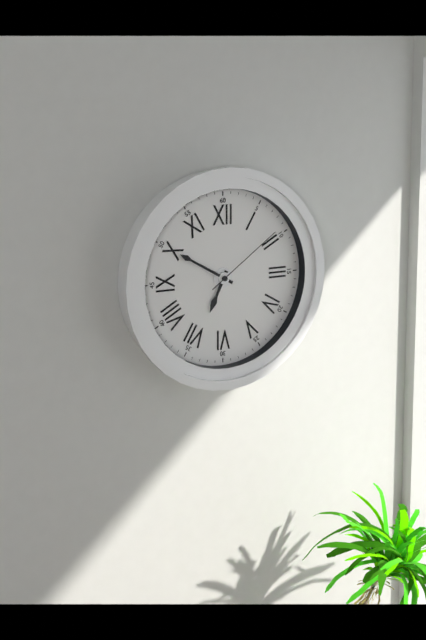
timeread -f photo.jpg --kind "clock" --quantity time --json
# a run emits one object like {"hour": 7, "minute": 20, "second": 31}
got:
{"hour": 6, "minute": 50, "second": 9}
